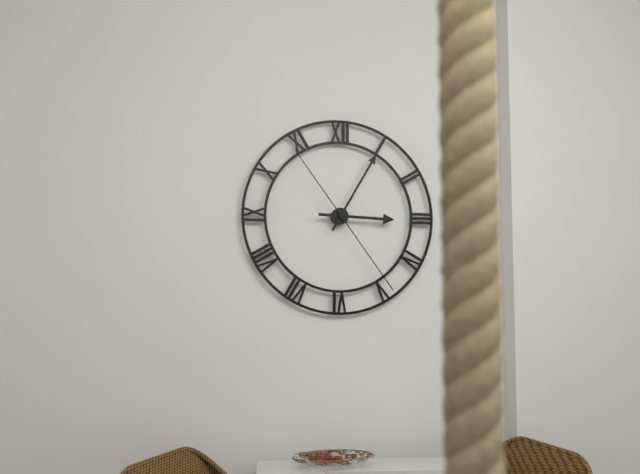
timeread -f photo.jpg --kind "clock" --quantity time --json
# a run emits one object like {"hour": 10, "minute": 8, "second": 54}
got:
{"hour": 3, "minute": 5, "second": 24}
